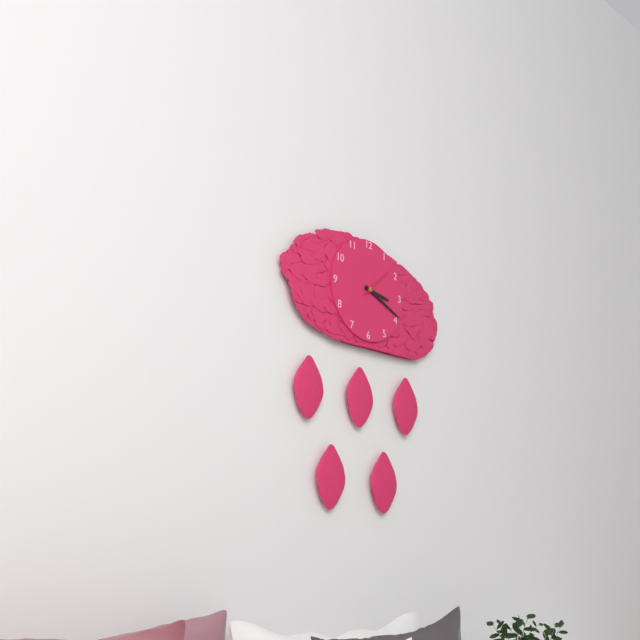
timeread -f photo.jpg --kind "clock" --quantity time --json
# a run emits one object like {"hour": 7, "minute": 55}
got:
{"hour": 3, "minute": 19}
